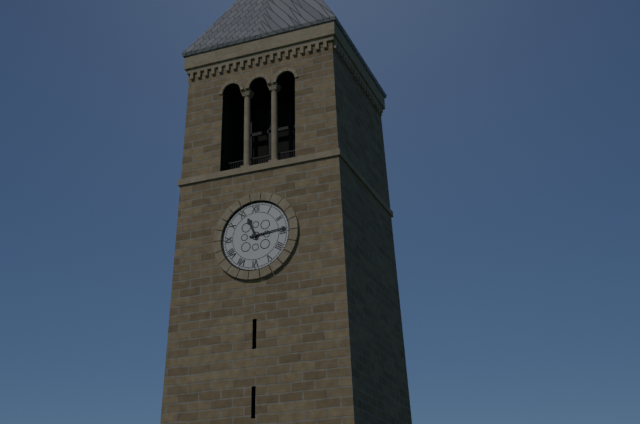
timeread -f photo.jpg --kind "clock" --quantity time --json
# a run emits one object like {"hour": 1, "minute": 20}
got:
{"hour": 11, "minute": 14}
